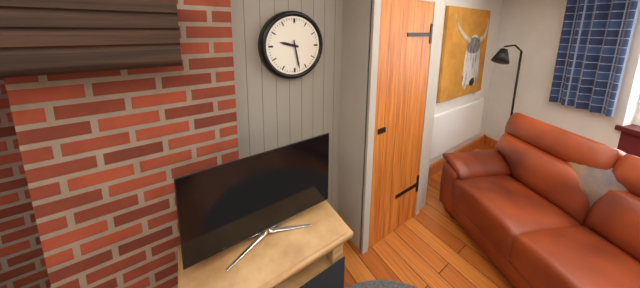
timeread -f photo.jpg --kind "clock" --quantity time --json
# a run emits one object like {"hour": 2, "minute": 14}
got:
{"hour": 9, "minute": 28}
